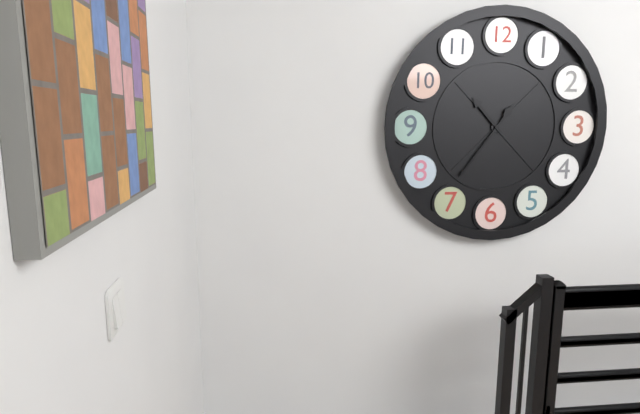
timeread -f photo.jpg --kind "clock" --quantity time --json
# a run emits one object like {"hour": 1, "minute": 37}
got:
{"hour": 10, "minute": 36}
